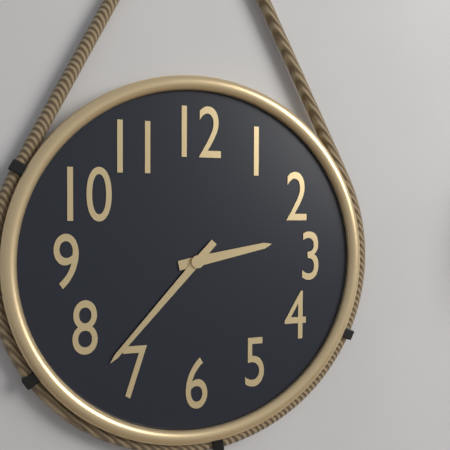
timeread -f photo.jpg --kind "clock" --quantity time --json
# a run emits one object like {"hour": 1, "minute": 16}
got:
{"hour": 2, "minute": 37}
